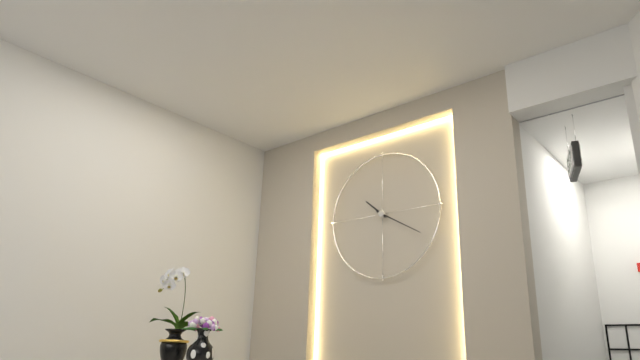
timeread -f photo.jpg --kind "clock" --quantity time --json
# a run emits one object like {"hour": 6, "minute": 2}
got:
{"hour": 10, "minute": 20}
